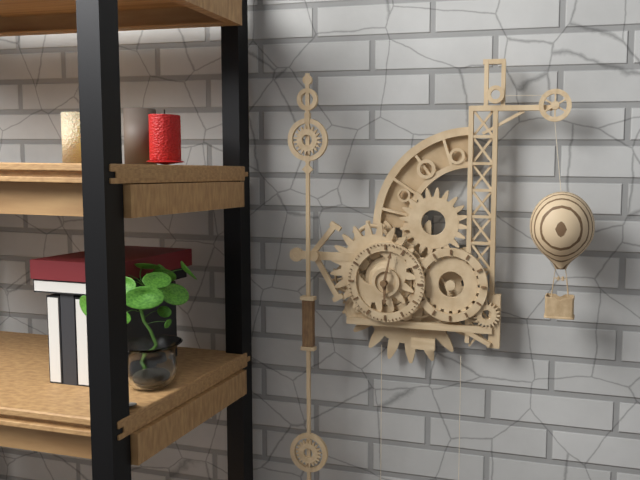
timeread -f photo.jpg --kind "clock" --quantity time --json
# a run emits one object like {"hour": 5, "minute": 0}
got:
{"hour": 6, "minute": 2}
